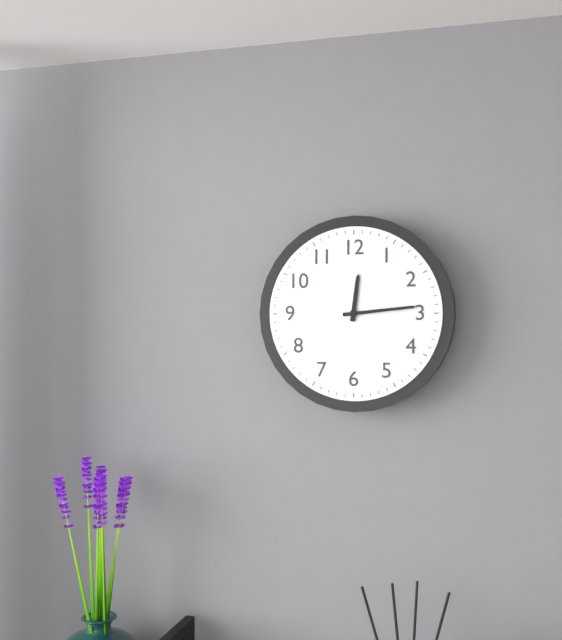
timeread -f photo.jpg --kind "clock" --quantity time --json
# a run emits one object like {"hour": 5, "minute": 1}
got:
{"hour": 12, "minute": 14}
